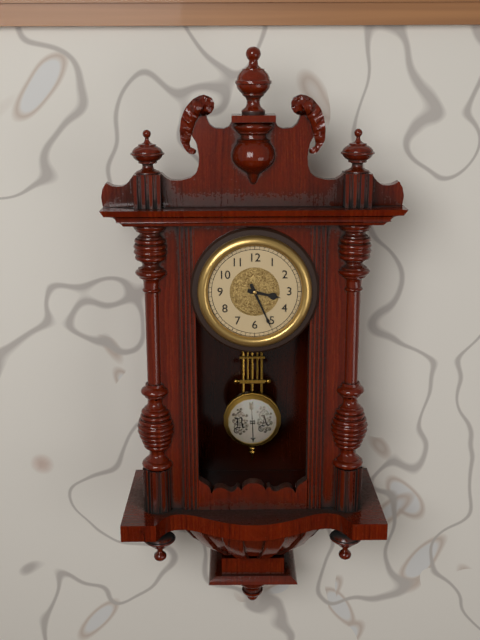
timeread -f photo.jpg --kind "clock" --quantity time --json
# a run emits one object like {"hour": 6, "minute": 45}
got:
{"hour": 3, "minute": 26}
